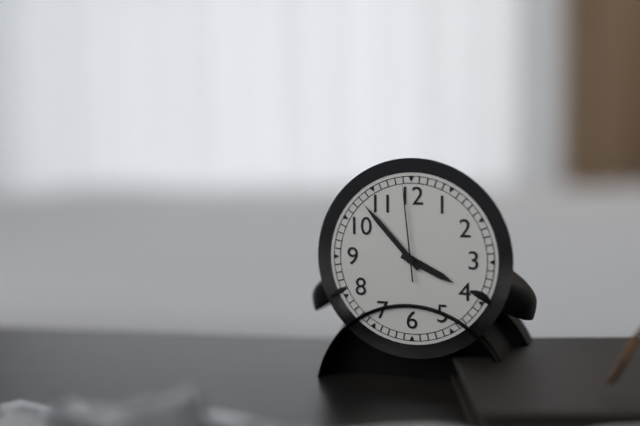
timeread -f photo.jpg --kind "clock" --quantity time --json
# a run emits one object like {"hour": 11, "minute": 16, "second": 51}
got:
{"hour": 3, "minute": 53, "second": 59}
